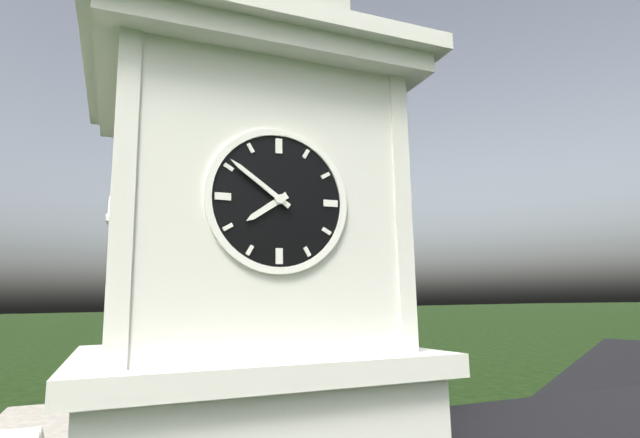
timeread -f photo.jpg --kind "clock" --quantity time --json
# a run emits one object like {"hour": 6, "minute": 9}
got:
{"hour": 7, "minute": 51}
